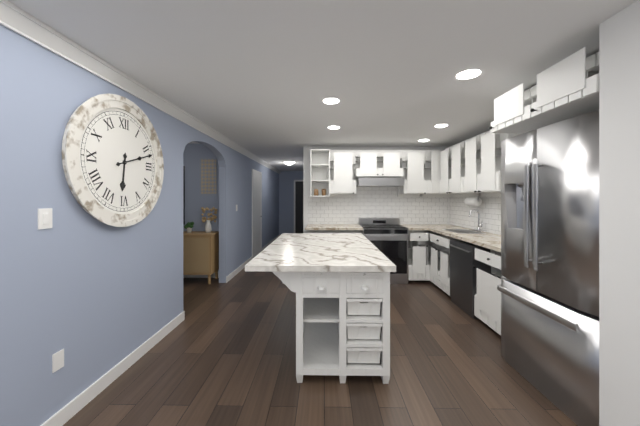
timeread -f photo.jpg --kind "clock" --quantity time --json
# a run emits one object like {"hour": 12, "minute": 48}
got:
{"hour": 6, "minute": 12}
